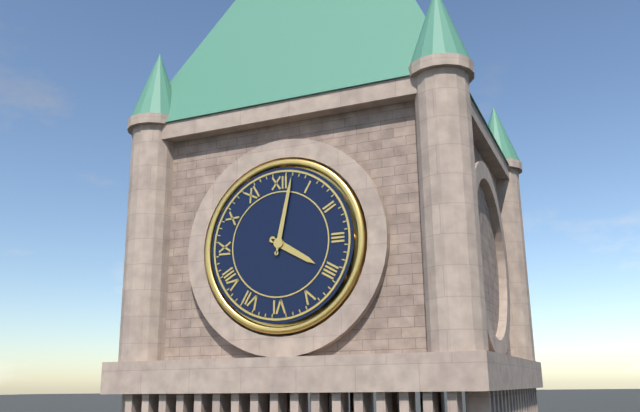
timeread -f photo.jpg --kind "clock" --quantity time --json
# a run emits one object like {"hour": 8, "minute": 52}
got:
{"hour": 4, "minute": 2}
